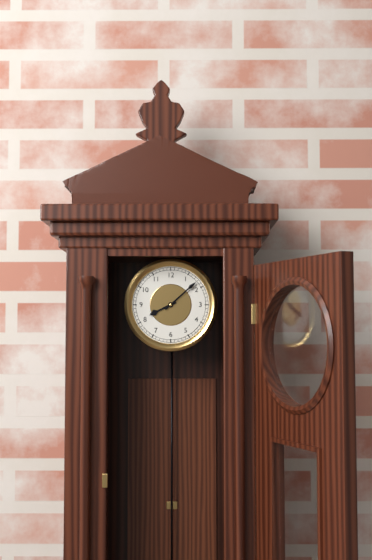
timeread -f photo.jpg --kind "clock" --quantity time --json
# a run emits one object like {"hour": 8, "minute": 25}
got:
{"hour": 8, "minute": 8}
